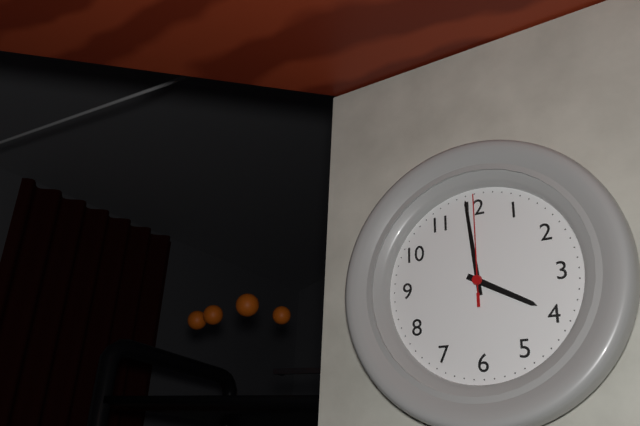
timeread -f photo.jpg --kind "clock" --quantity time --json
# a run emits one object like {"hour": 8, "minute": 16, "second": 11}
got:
{"hour": 3, "minute": 59, "second": 0}
